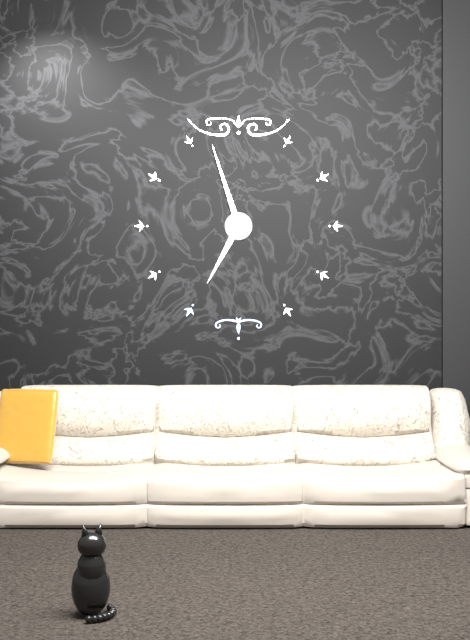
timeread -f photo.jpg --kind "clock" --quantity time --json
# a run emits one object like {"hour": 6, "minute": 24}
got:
{"hour": 6, "minute": 57}
